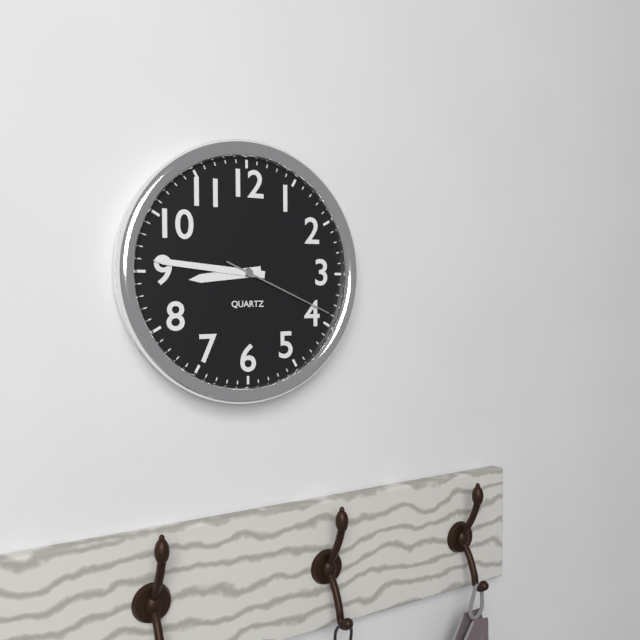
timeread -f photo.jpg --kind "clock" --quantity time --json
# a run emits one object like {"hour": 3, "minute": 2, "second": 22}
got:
{"hour": 8, "minute": 46, "second": 19}
